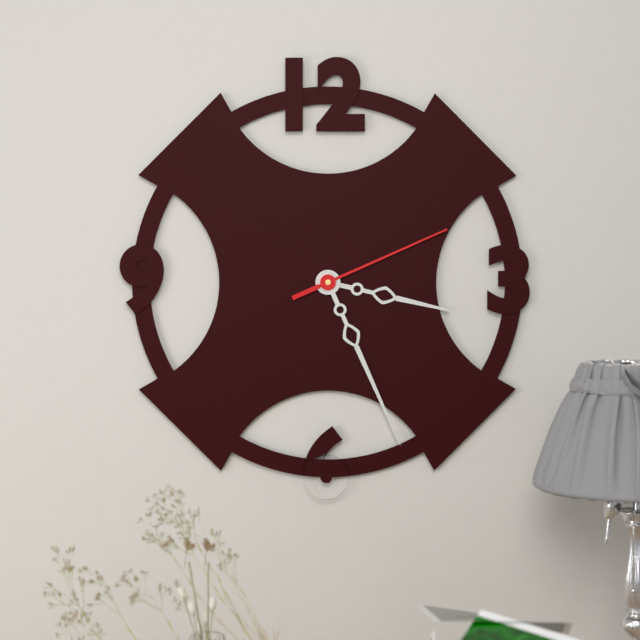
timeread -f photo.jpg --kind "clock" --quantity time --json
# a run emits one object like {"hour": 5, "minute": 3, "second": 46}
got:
{"hour": 3, "minute": 26, "second": 11}
